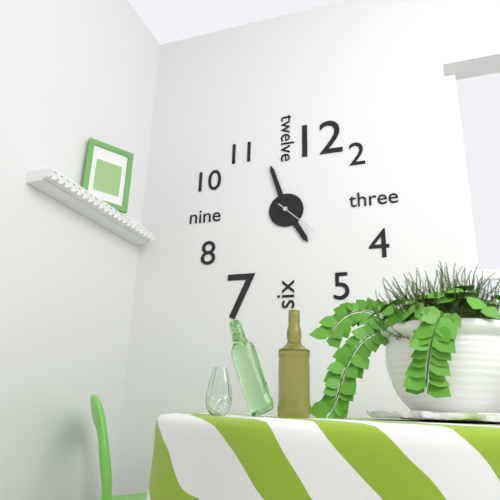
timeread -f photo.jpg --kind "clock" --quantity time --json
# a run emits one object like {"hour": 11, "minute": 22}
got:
{"hour": 4, "minute": 57}
